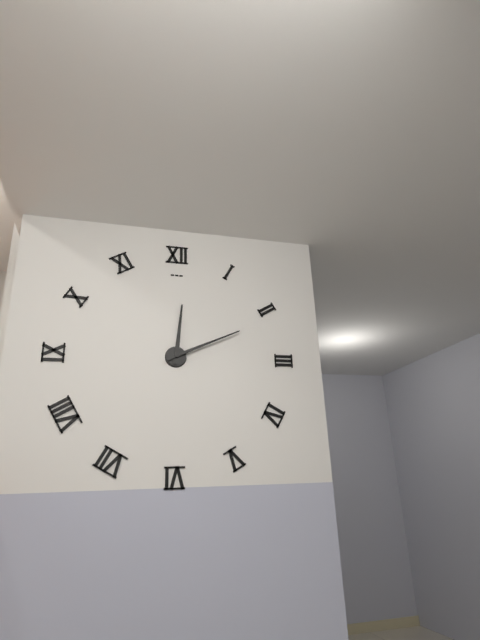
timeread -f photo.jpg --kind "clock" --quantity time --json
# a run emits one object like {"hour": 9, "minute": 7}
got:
{"hour": 12, "minute": 11}
